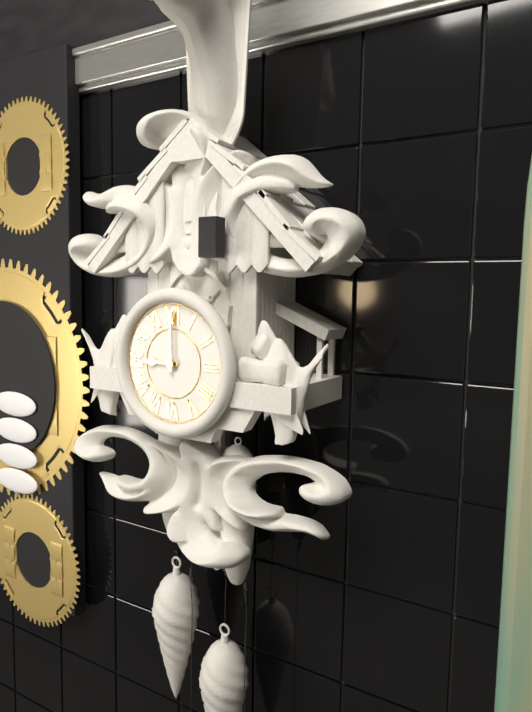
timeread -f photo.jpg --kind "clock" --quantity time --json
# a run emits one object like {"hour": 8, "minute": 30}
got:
{"hour": 9, "minute": 0}
